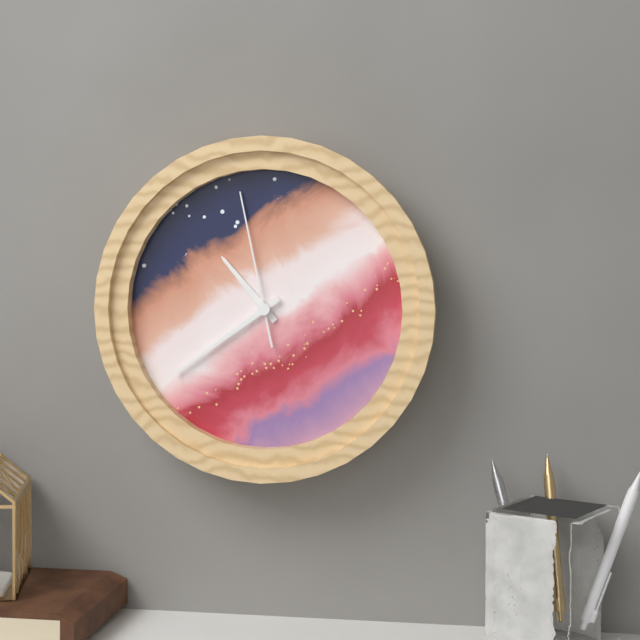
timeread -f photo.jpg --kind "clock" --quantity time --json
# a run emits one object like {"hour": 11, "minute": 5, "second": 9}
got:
{"hour": 10, "minute": 39, "second": 58}
